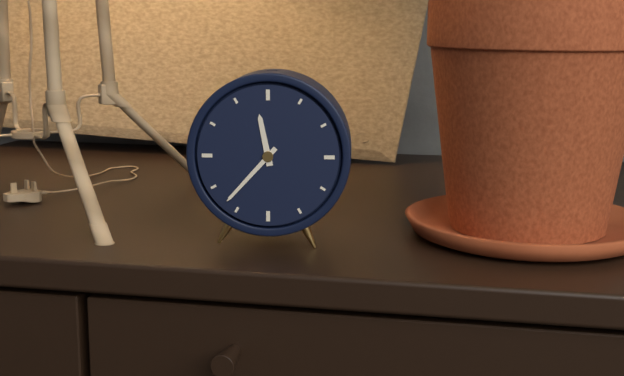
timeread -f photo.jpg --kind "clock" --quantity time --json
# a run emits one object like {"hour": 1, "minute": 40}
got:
{"hour": 11, "minute": 37}
